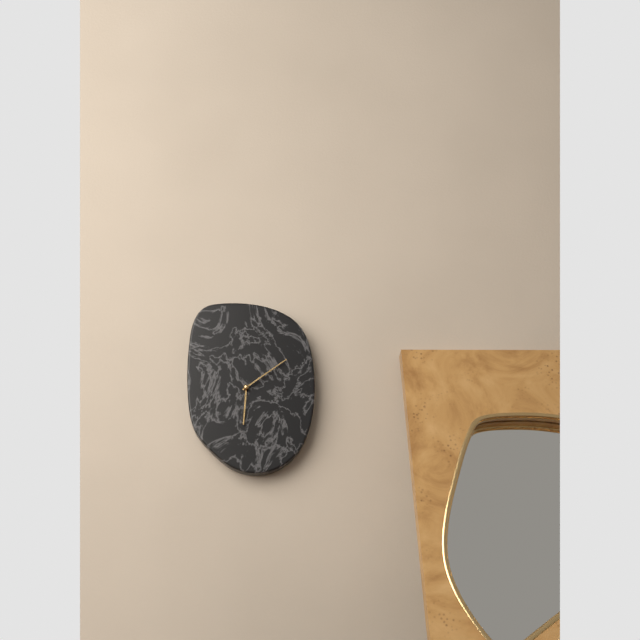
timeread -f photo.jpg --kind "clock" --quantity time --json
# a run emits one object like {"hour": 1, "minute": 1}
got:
{"hour": 6, "minute": 9}
